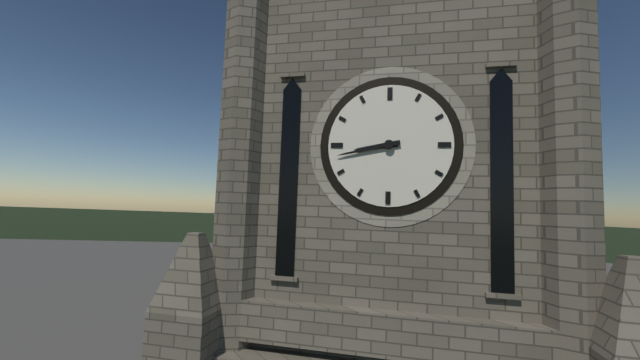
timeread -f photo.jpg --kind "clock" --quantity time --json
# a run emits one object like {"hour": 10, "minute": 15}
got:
{"hour": 8, "minute": 43}
